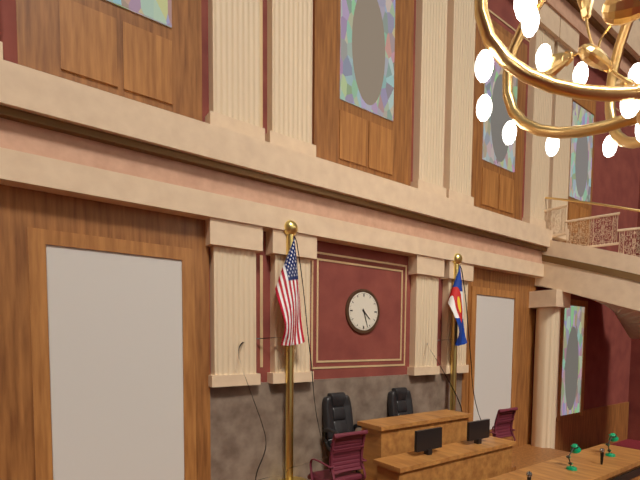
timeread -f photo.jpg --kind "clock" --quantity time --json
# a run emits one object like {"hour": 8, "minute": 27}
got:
{"hour": 4, "minute": 27}
